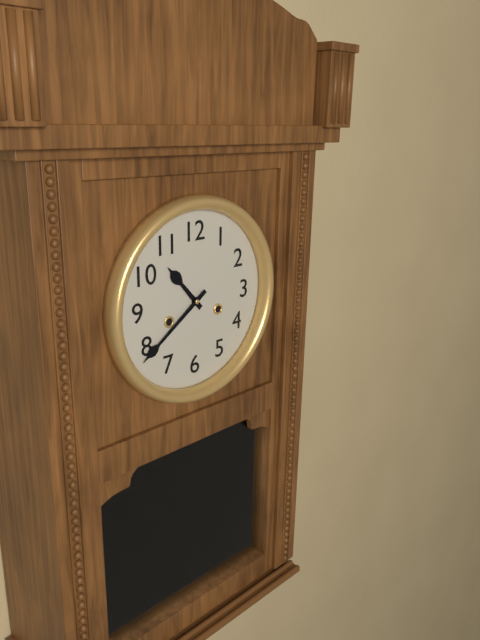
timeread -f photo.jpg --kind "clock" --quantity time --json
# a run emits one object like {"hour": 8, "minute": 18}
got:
{"hour": 10, "minute": 39}
